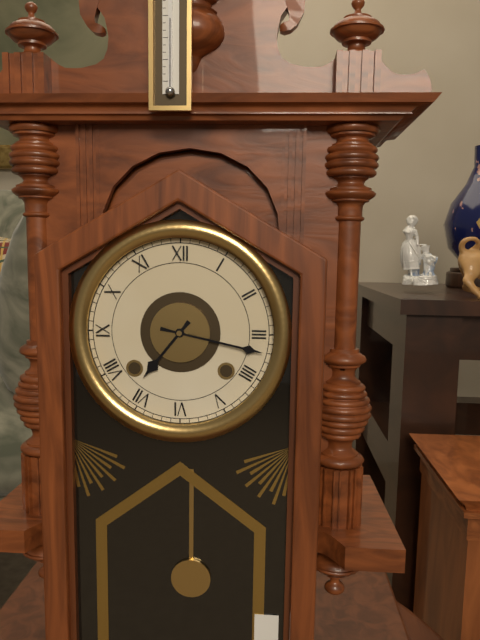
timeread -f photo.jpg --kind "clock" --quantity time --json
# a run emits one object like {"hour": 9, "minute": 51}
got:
{"hour": 7, "minute": 17}
